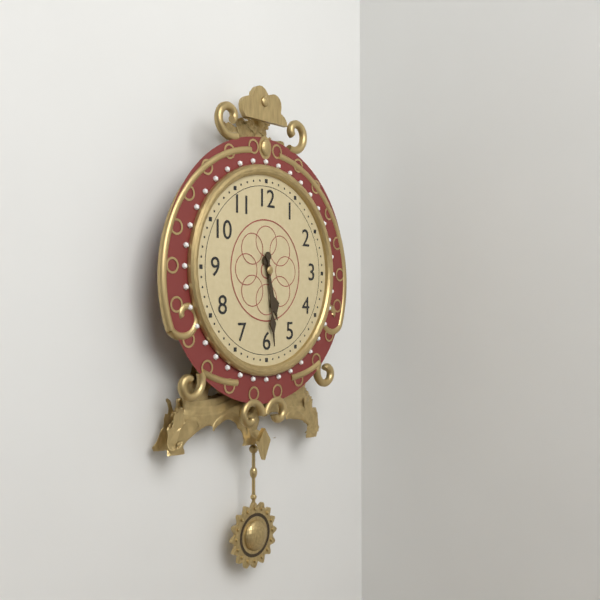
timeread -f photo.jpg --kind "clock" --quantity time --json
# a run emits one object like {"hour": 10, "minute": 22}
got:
{"hour": 5, "minute": 29}
